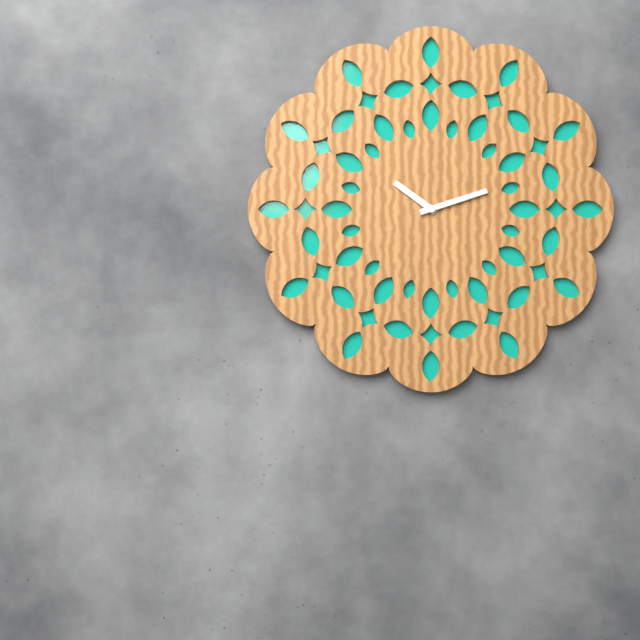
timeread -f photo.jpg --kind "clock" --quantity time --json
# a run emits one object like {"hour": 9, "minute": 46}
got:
{"hour": 10, "minute": 12}
